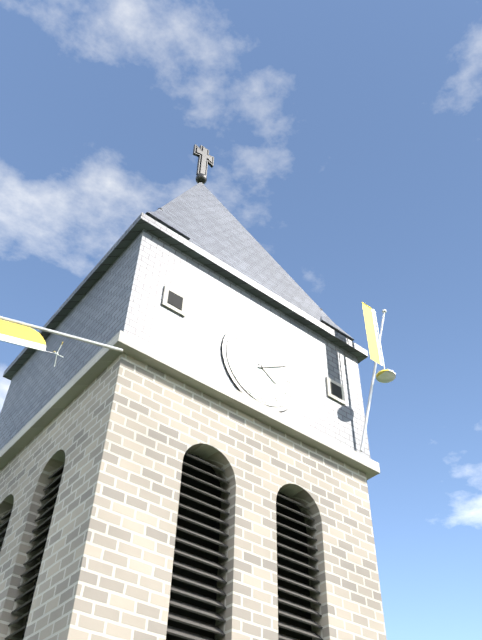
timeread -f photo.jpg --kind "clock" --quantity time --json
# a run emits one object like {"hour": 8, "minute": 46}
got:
{"hour": 4, "minute": 10}
